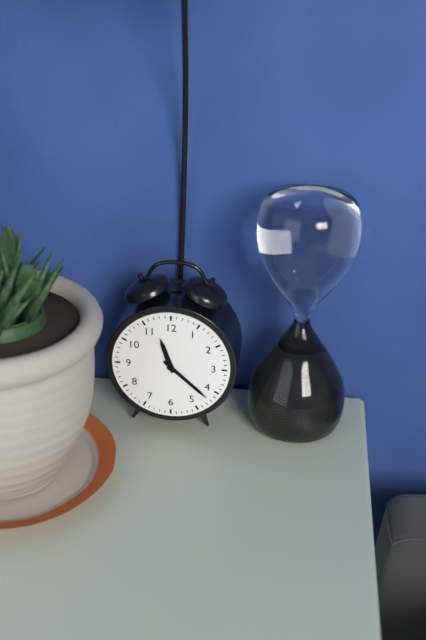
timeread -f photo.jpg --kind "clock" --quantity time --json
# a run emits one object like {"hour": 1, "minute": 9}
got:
{"hour": 11, "minute": 22}
